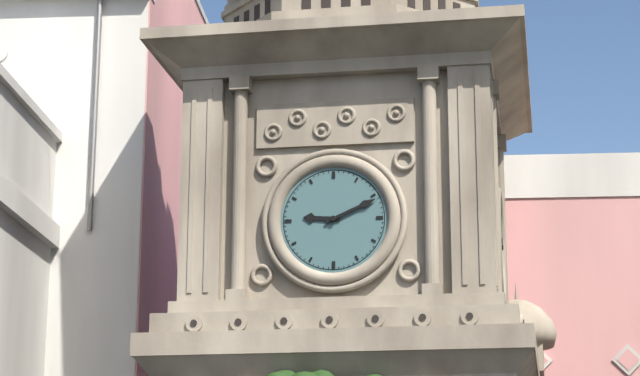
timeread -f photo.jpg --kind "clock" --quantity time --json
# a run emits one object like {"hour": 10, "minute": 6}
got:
{"hour": 9, "minute": 11}
